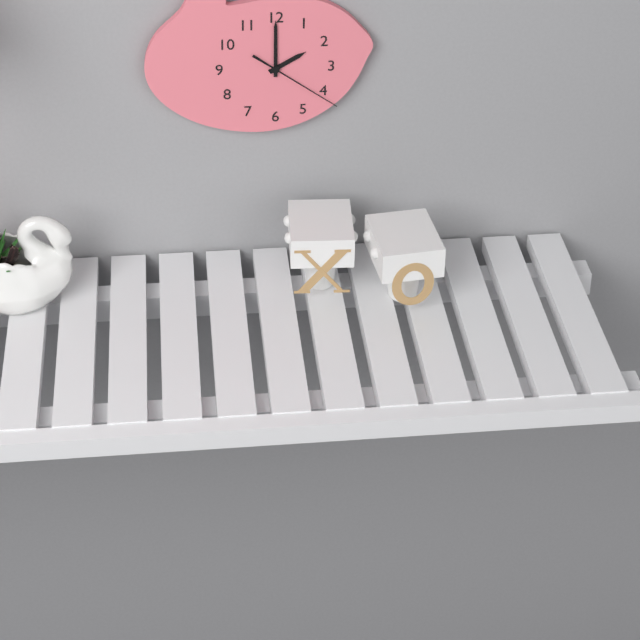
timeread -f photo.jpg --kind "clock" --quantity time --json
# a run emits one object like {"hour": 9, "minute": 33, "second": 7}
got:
{"hour": 2, "minute": 0, "second": 21}
